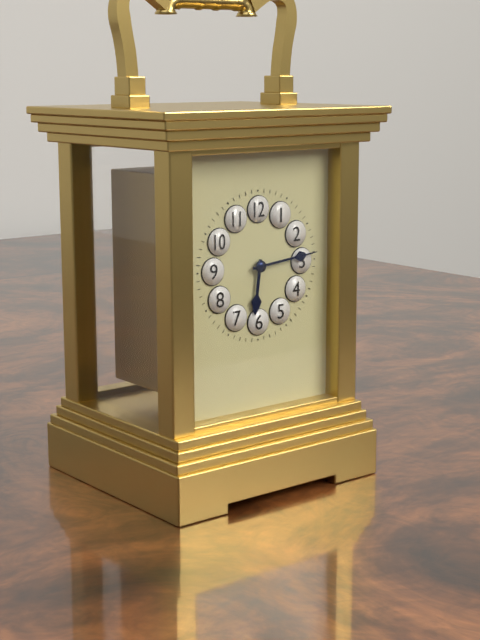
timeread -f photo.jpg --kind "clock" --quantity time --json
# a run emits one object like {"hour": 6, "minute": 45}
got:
{"hour": 6, "minute": 14}
